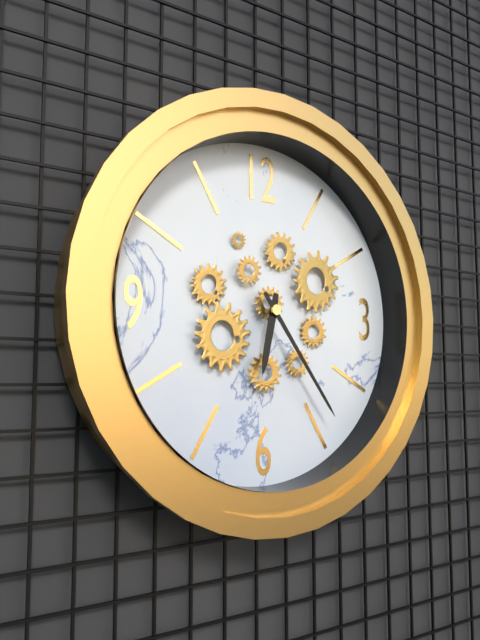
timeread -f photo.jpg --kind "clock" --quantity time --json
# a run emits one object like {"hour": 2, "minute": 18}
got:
{"hour": 6, "minute": 24}
